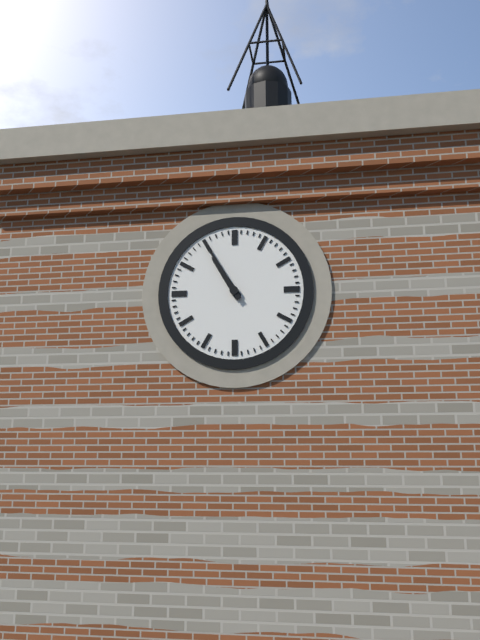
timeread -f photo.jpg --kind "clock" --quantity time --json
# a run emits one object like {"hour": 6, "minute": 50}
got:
{"hour": 10, "minute": 55}
